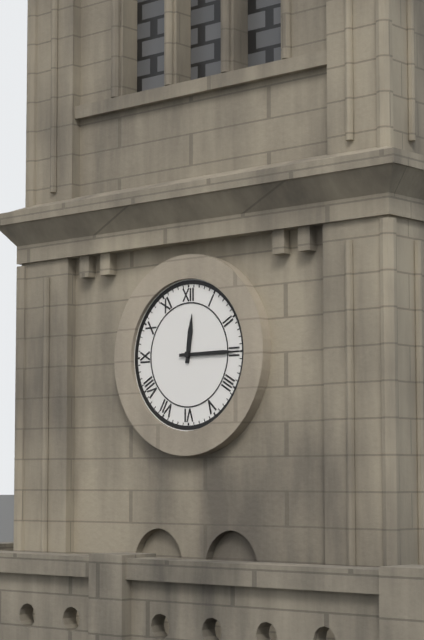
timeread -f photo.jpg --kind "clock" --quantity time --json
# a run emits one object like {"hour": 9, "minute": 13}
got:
{"hour": 12, "minute": 15}
